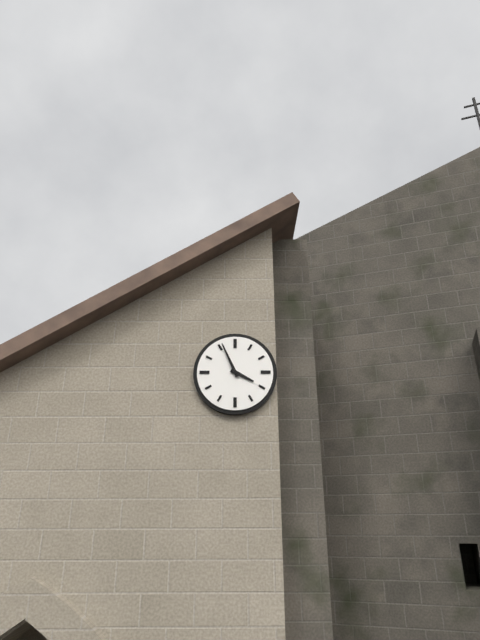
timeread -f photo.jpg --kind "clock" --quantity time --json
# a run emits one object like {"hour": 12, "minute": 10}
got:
{"hour": 3, "minute": 56}
